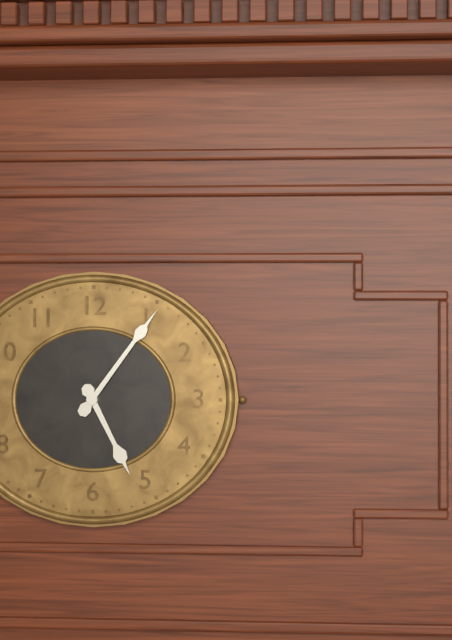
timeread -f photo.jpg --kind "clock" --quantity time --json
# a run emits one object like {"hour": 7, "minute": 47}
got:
{"hour": 5, "minute": 6}
